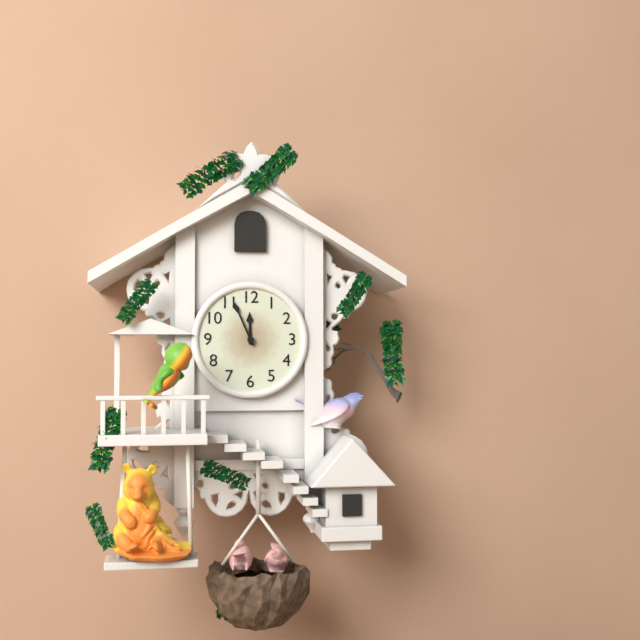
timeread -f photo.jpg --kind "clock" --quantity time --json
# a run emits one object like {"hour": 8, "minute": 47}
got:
{"hour": 11, "minute": 56}
